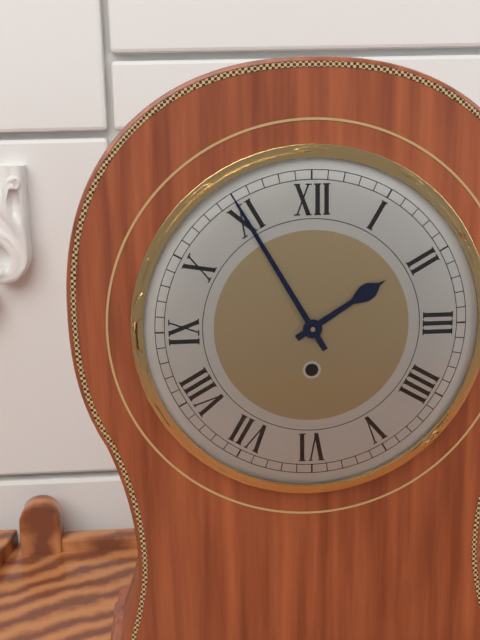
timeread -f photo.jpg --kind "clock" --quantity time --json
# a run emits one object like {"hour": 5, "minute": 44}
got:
{"hour": 1, "minute": 55}
